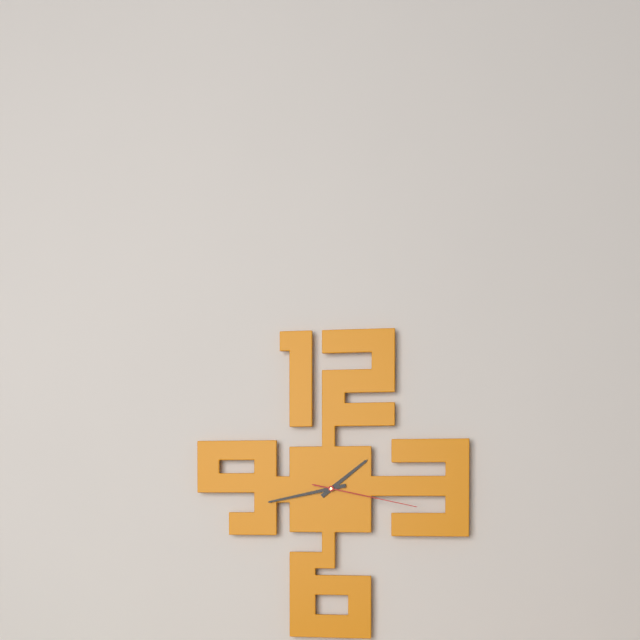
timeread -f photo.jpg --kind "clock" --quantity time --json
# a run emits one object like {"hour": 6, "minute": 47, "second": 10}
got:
{"hour": 1, "minute": 43, "second": 17}
